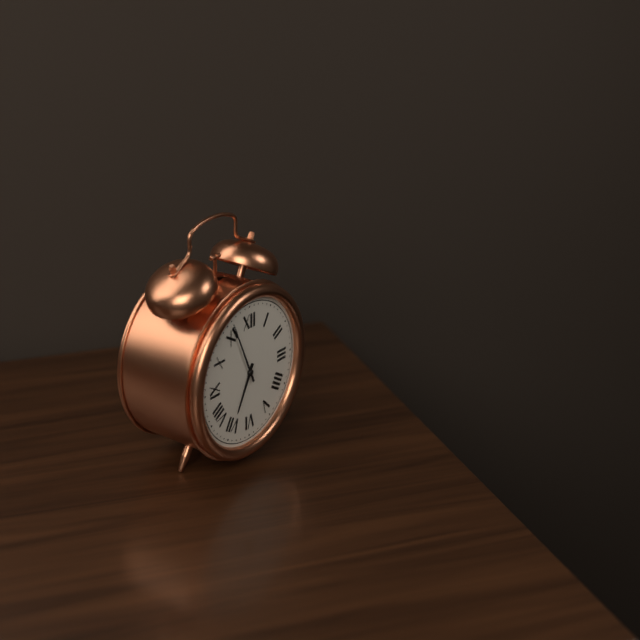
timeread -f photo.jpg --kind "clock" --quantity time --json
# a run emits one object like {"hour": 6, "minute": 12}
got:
{"hour": 6, "minute": 56}
